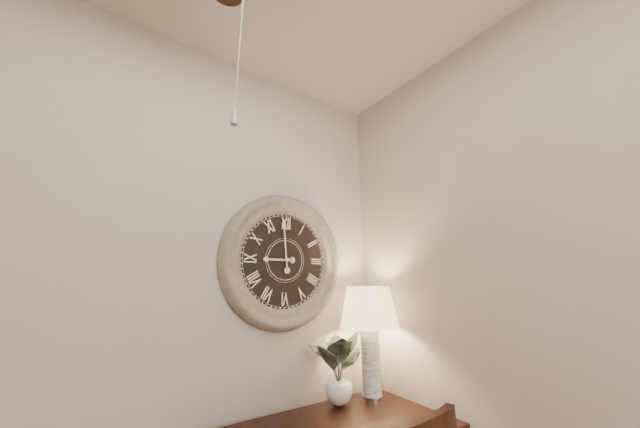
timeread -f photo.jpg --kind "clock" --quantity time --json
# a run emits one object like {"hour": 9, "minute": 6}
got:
{"hour": 8, "minute": 59}
